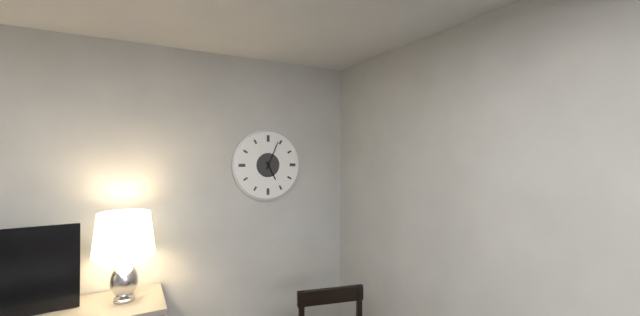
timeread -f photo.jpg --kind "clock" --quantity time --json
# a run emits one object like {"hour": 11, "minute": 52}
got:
{"hour": 5, "minute": 4}
